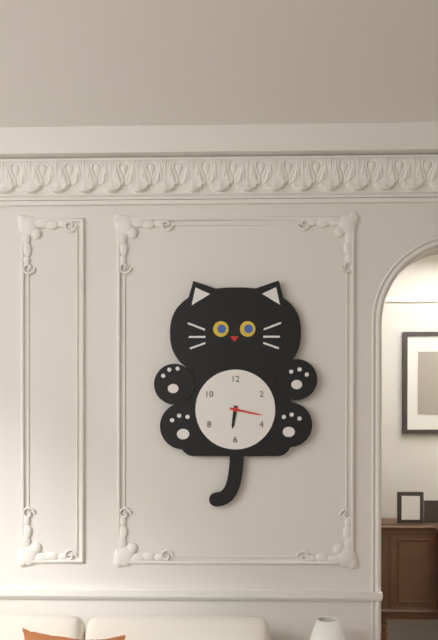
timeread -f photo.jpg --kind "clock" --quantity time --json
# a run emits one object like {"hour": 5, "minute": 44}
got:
{"hour": 6, "minute": 17}
